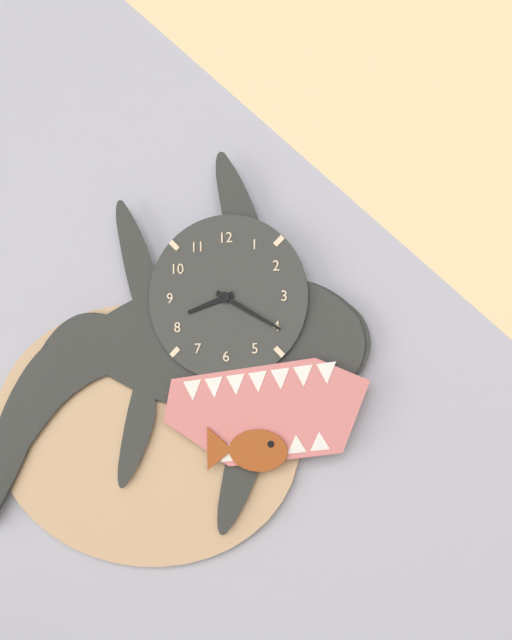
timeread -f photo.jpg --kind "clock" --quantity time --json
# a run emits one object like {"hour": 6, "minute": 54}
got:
{"hour": 8, "minute": 20}
